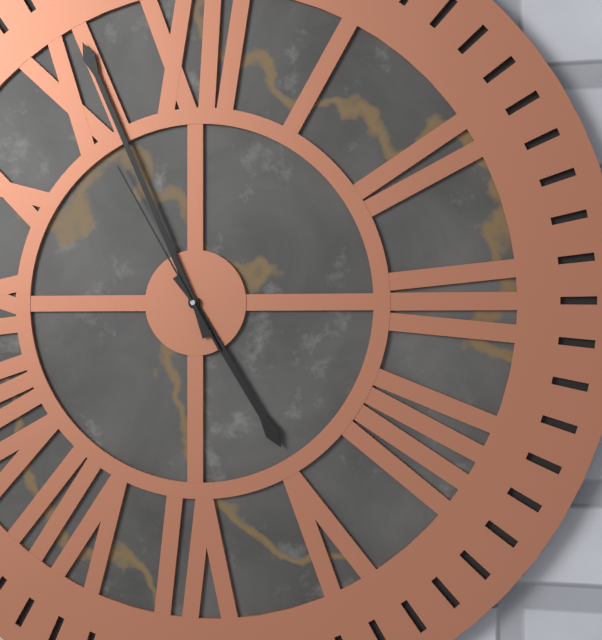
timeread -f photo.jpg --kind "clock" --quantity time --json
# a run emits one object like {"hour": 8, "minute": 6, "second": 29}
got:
{"hour": 4, "minute": 56, "second": 55}
